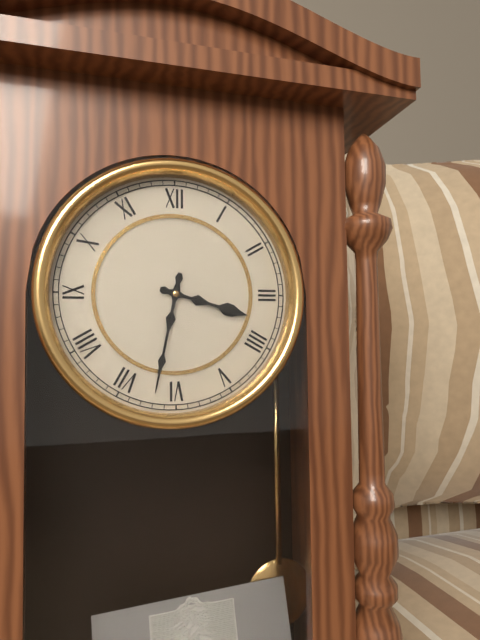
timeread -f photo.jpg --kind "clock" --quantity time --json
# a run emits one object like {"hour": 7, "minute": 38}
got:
{"hour": 3, "minute": 32}
